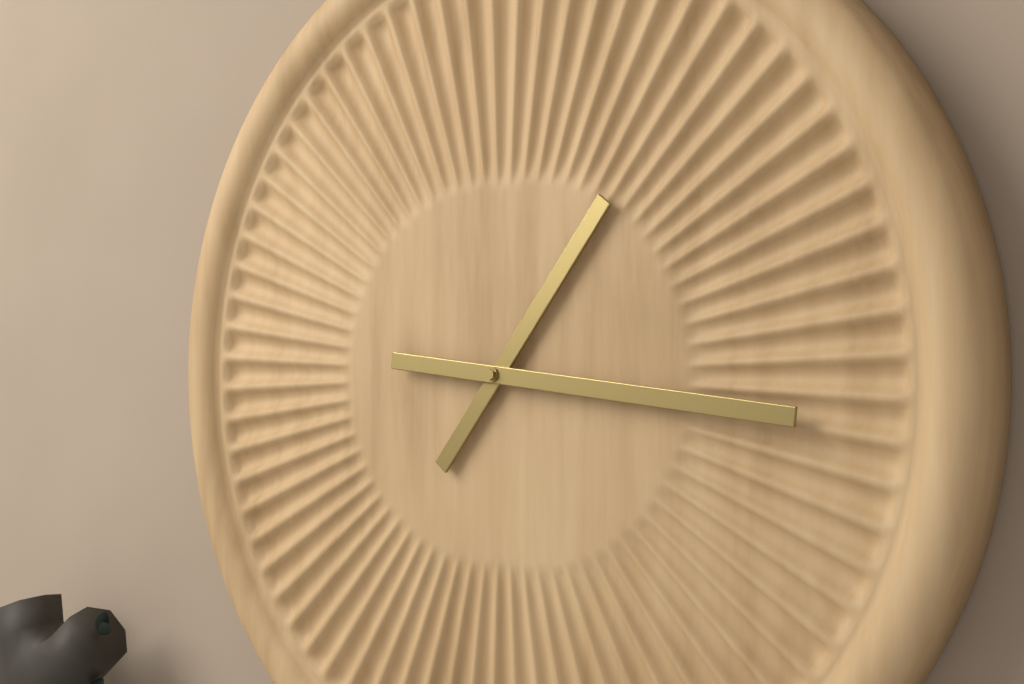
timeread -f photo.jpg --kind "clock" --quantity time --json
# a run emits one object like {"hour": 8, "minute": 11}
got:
{"hour": 1, "minute": 16}
